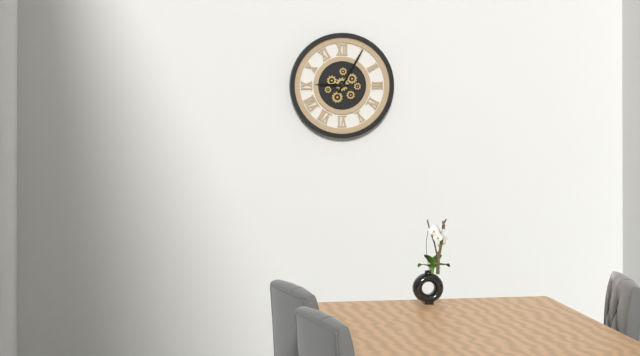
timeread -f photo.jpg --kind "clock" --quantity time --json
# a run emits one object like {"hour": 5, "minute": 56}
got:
{"hour": 9, "minute": 5}
